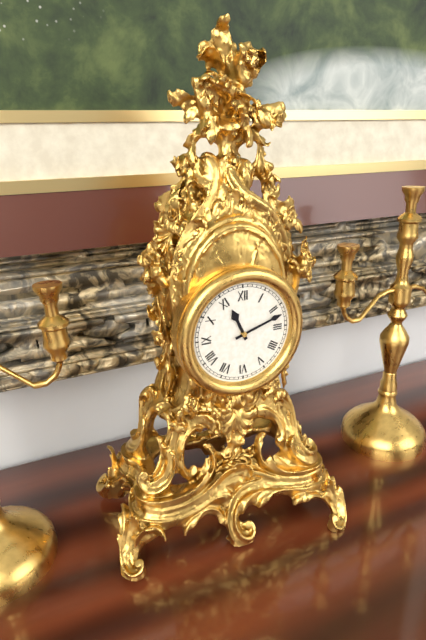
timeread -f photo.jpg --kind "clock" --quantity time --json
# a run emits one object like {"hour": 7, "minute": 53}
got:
{"hour": 11, "minute": 12}
